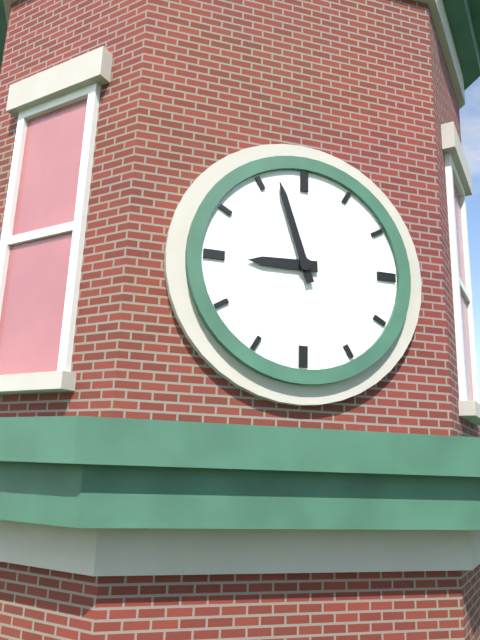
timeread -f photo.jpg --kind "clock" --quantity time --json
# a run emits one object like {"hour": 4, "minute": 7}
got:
{"hour": 8, "minute": 57}
